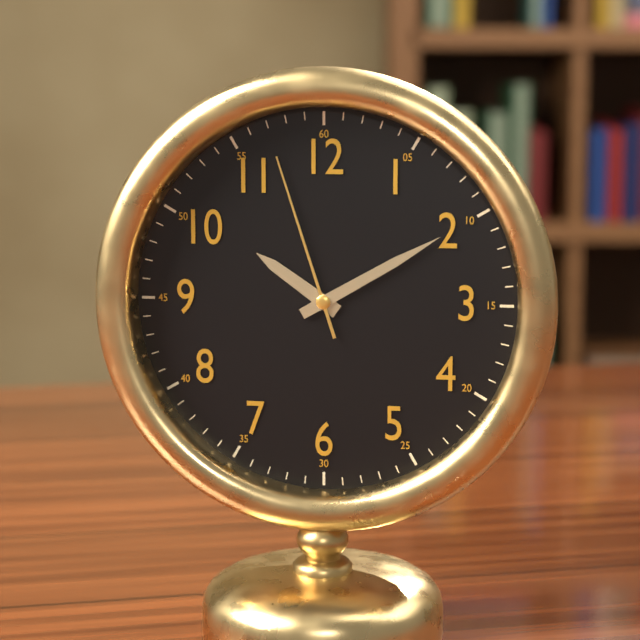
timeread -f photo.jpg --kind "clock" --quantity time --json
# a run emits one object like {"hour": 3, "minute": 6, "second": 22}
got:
{"hour": 10, "minute": 10, "second": 57}
